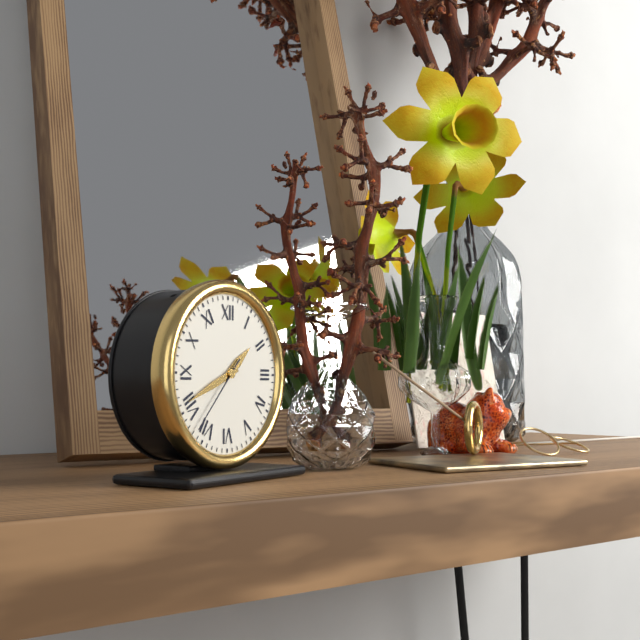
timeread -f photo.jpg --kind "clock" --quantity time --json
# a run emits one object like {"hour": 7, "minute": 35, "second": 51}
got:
{"hour": 1, "minute": 41, "second": 37}
